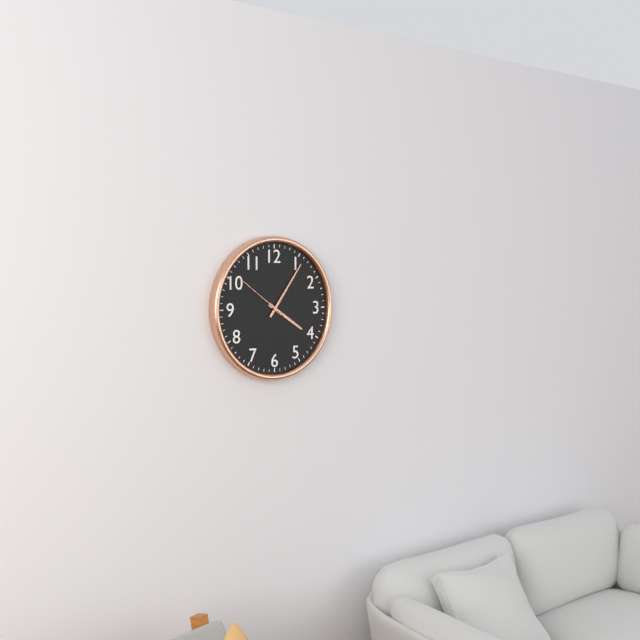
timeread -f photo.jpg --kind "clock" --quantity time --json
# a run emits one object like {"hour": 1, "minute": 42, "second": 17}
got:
{"hour": 4, "minute": 6, "second": 51}
